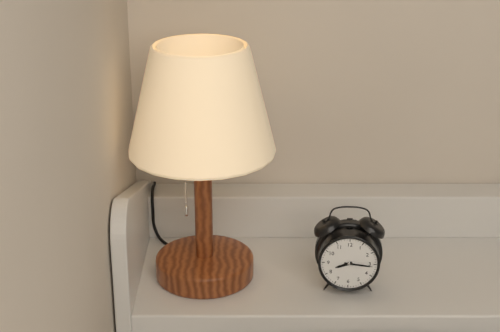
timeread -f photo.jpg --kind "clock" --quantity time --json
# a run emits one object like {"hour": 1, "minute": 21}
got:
{"hour": 8, "minute": 16}
